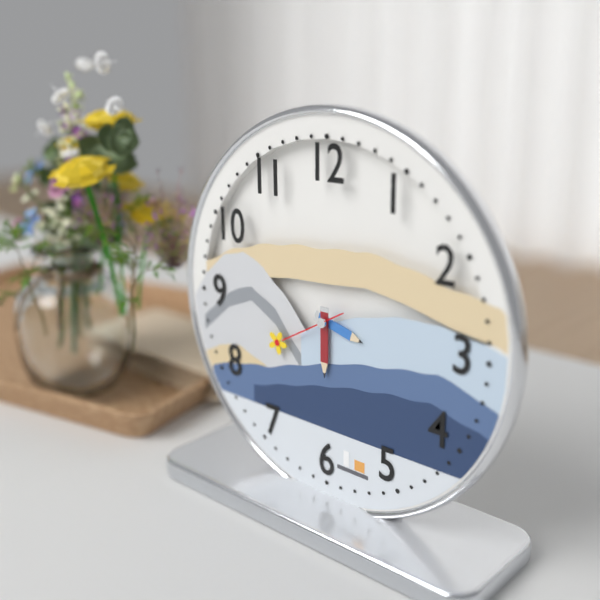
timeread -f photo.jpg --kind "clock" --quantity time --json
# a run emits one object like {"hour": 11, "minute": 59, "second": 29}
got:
{"hour": 3, "minute": 30, "second": 40}
